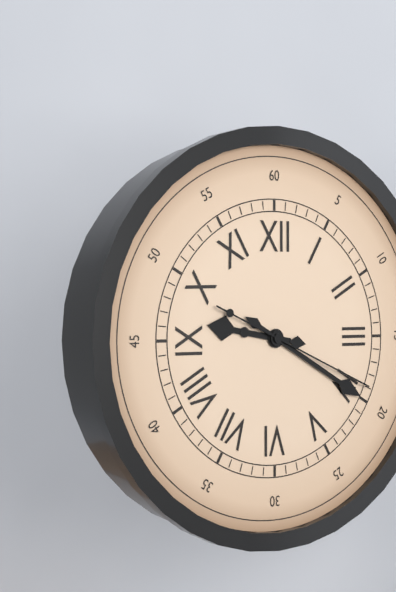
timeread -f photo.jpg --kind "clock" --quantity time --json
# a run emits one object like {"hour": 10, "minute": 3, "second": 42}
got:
{"hour": 9, "minute": 20, "second": 19}
